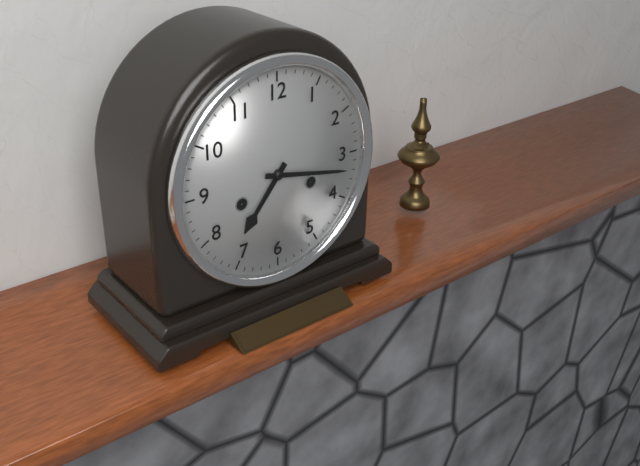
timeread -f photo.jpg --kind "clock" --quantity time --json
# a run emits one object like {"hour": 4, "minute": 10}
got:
{"hour": 7, "minute": 17}
